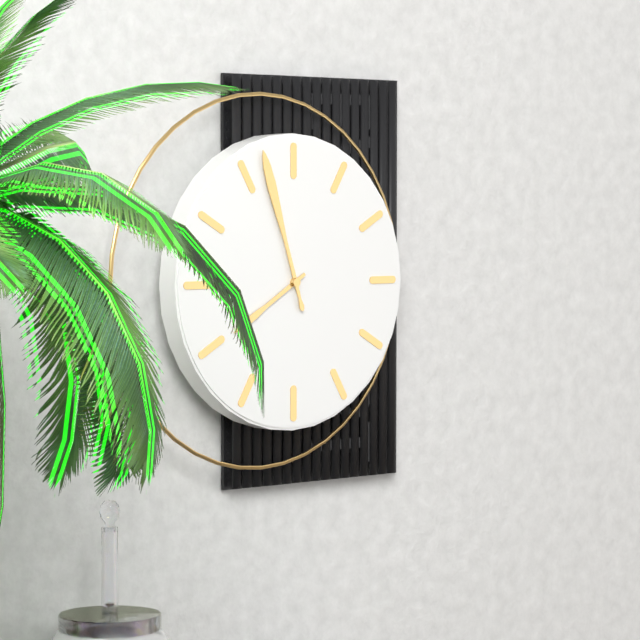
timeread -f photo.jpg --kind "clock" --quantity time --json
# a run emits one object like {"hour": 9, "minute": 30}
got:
{"hour": 7, "minute": 57}
